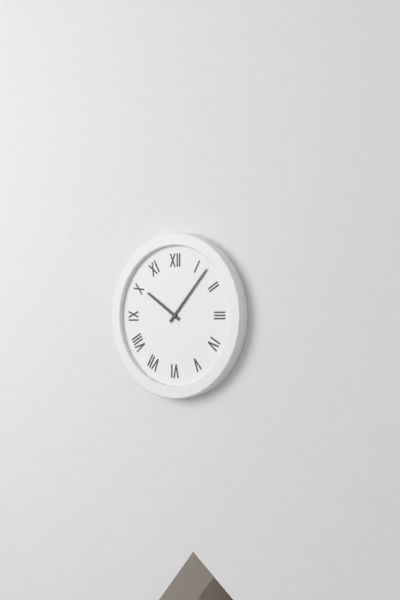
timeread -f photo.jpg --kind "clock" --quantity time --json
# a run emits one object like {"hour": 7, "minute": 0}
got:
{"hour": 10, "minute": 7}
